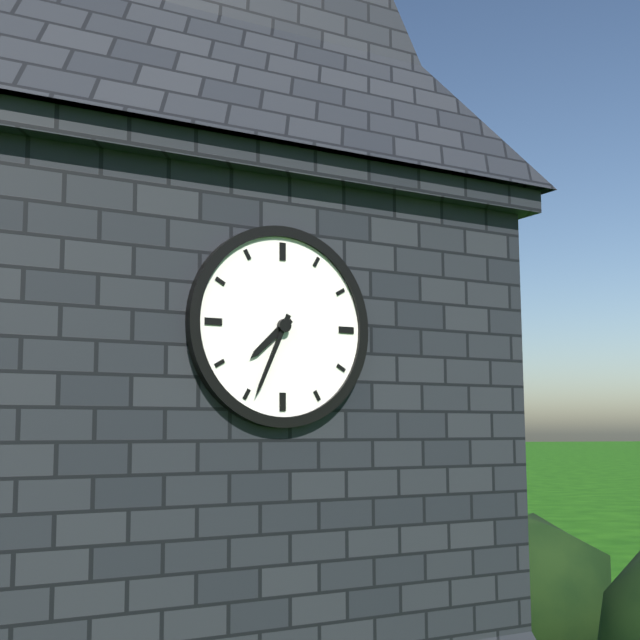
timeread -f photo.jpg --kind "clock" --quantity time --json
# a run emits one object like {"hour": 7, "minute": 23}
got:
{"hour": 7, "minute": 34}
